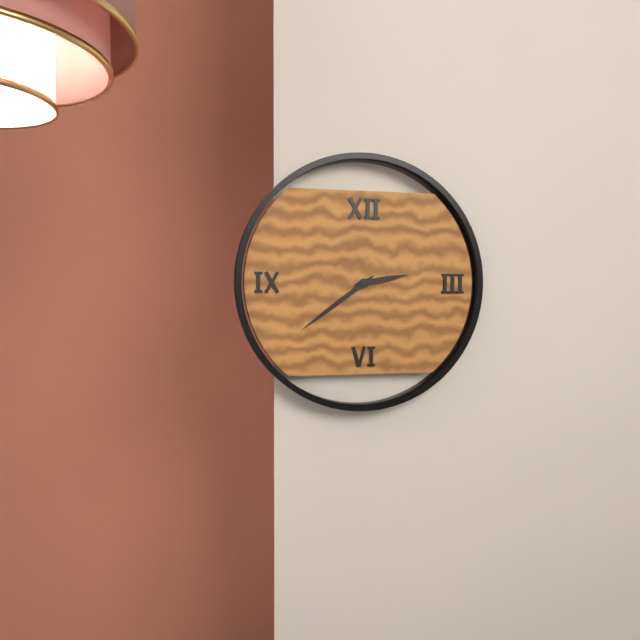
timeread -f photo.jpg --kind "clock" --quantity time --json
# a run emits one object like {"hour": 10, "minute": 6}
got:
{"hour": 2, "minute": 39}
